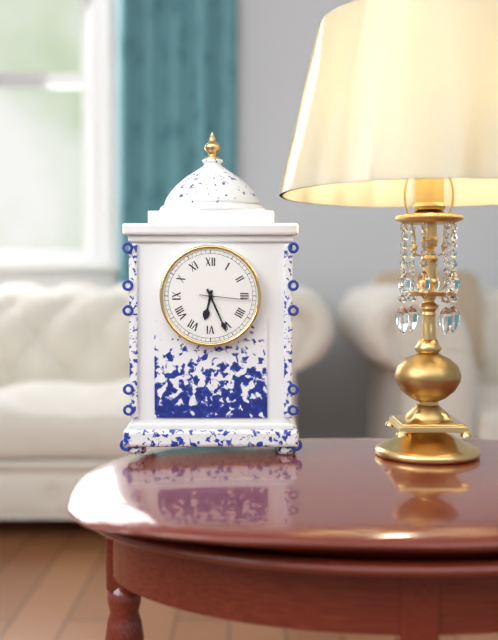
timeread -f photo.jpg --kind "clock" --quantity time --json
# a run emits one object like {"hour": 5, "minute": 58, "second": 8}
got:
{"hour": 6, "minute": 26, "second": 16}
